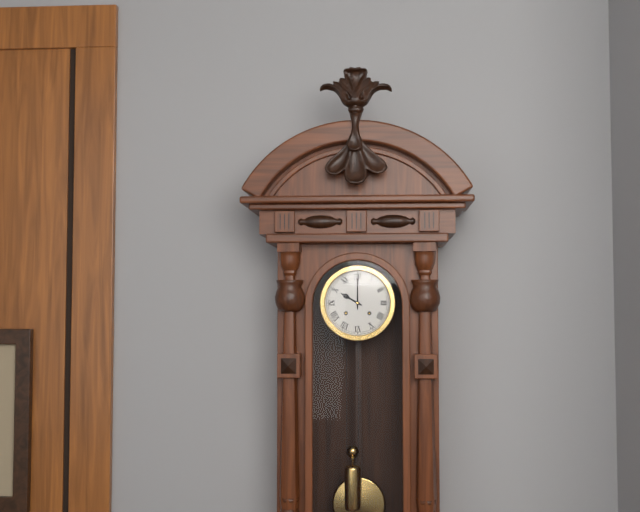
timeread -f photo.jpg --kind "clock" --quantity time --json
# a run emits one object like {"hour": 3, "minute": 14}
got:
{"hour": 10, "minute": 0}
